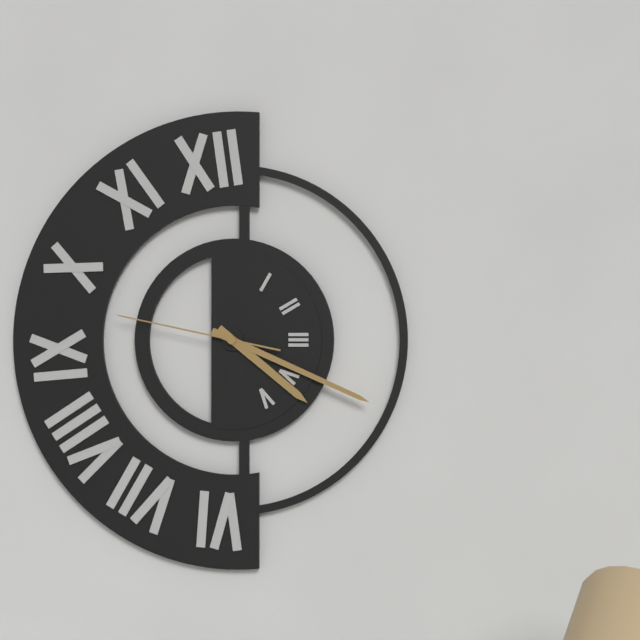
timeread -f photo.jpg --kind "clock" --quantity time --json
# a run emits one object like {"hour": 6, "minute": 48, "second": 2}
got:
{"hour": 4, "minute": 19, "second": 47}
